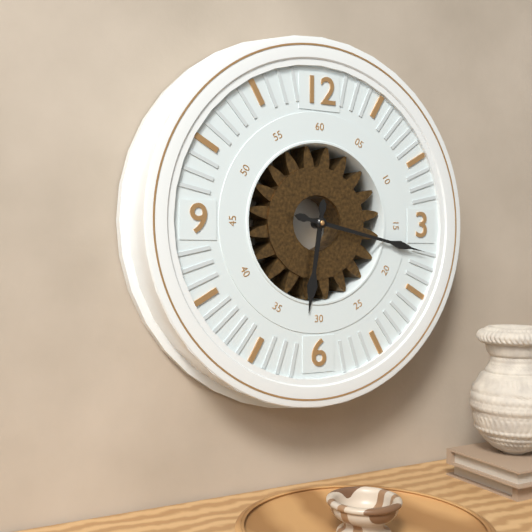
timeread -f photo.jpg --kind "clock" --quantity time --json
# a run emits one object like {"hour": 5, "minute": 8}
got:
{"hour": 6, "minute": 17}
